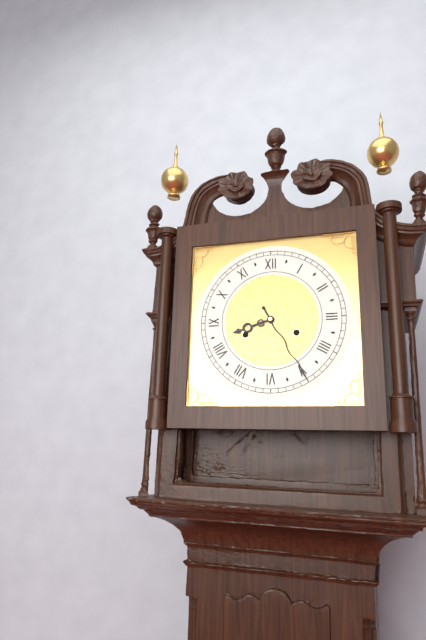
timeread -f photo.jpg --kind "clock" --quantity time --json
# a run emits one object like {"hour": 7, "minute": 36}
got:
{"hour": 8, "minute": 25}
